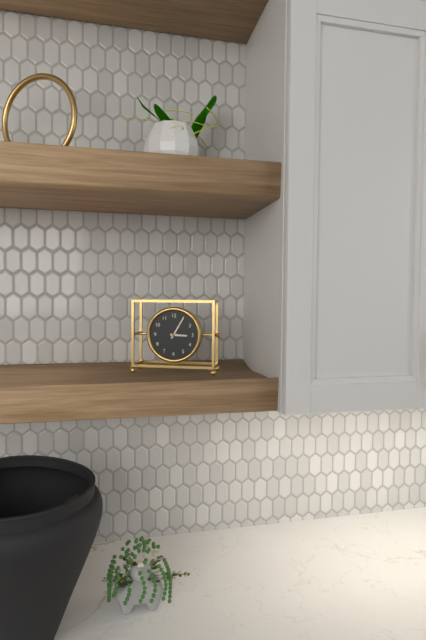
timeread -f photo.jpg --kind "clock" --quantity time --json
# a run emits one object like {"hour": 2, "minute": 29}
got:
{"hour": 3, "minute": 5}
